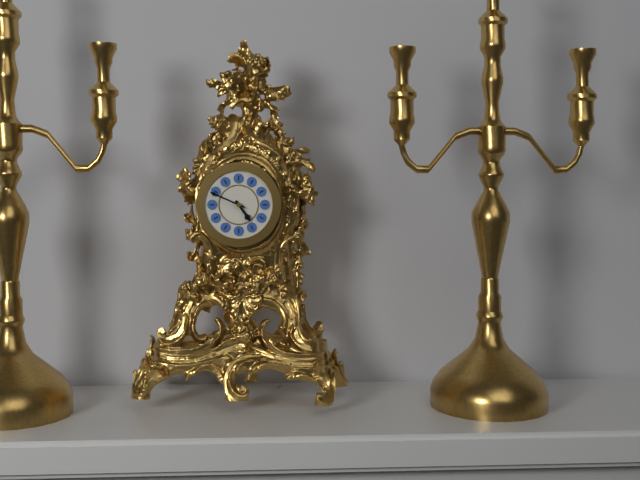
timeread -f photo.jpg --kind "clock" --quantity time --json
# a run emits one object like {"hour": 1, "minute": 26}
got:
{"hour": 4, "minute": 49}
